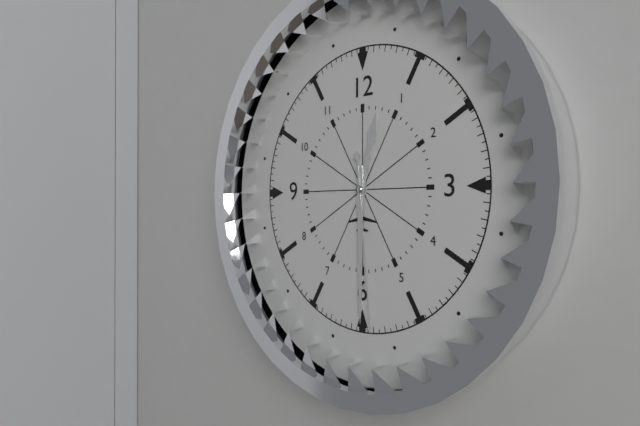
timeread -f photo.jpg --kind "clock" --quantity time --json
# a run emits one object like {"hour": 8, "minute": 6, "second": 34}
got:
{"hour": 12, "minute": 30, "second": 29}
